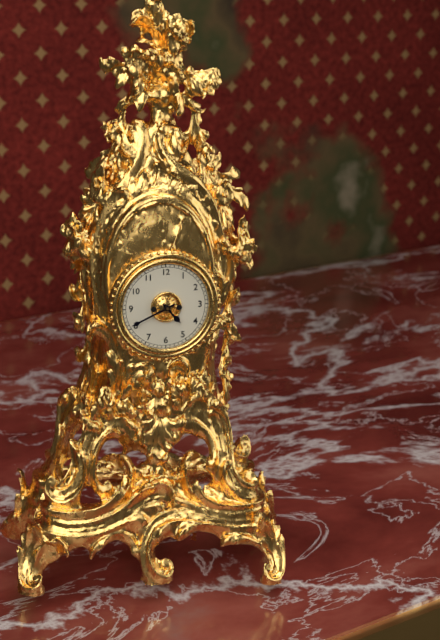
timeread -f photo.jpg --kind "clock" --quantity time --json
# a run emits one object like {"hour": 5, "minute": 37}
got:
{"hour": 4, "minute": 41}
